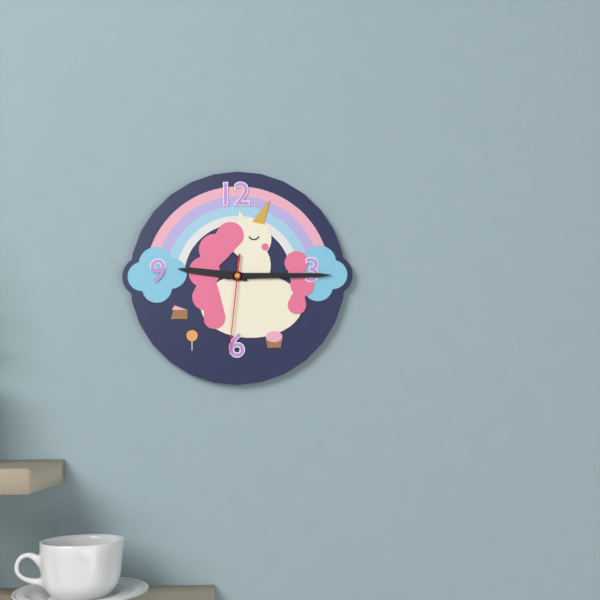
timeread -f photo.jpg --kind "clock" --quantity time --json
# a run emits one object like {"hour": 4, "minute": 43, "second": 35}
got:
{"hour": 9, "minute": 15, "second": 31}
